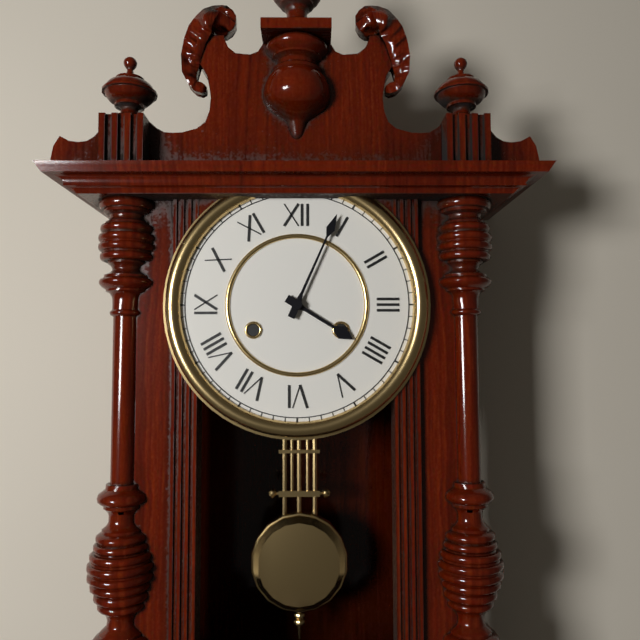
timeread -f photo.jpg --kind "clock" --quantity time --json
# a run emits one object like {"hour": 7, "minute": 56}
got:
{"hour": 4, "minute": 4}
